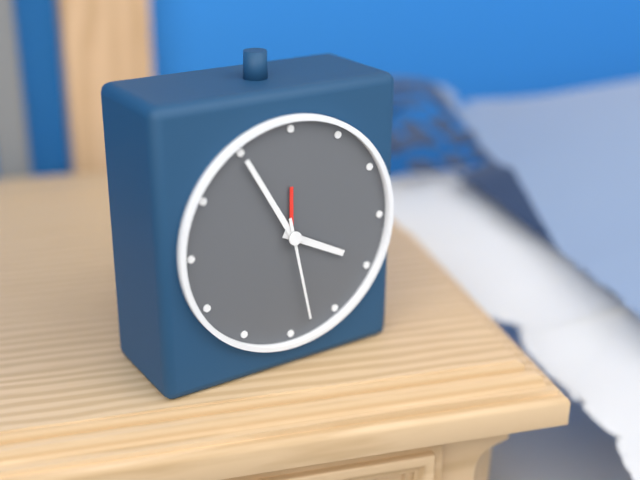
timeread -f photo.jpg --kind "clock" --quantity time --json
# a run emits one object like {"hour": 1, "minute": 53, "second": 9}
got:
{"hour": 3, "minute": 55, "second": 28}
